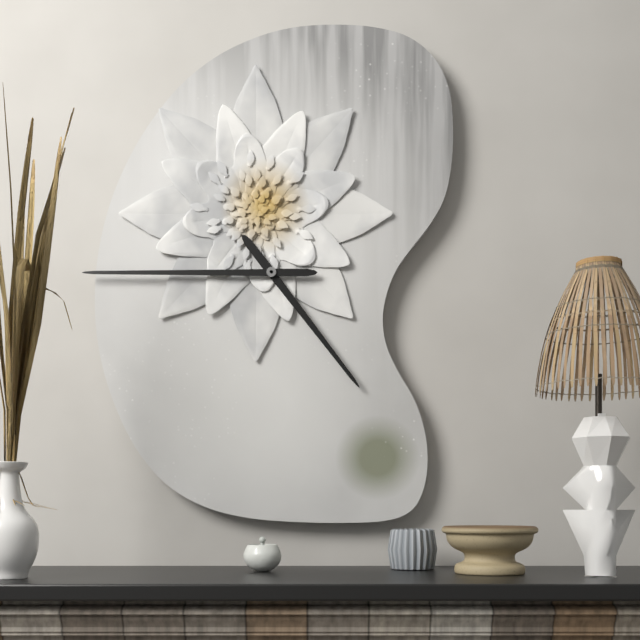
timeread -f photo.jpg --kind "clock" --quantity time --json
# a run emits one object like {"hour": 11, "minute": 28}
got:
{"hour": 4, "minute": 45}
